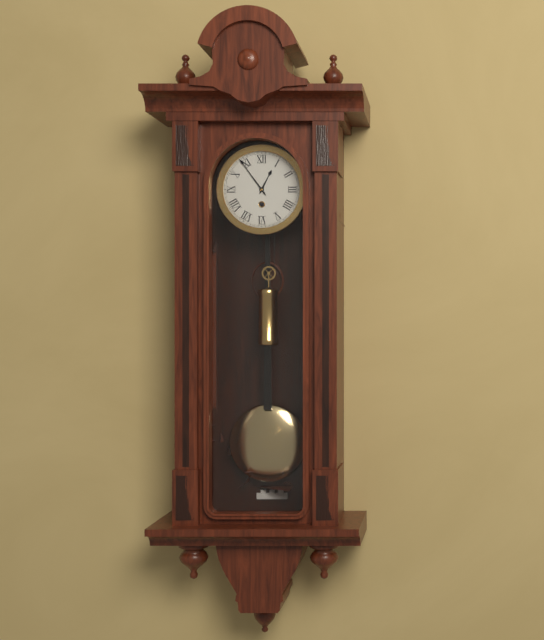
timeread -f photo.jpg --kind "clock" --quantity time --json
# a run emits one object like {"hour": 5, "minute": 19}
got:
{"hour": 12, "minute": 54}
